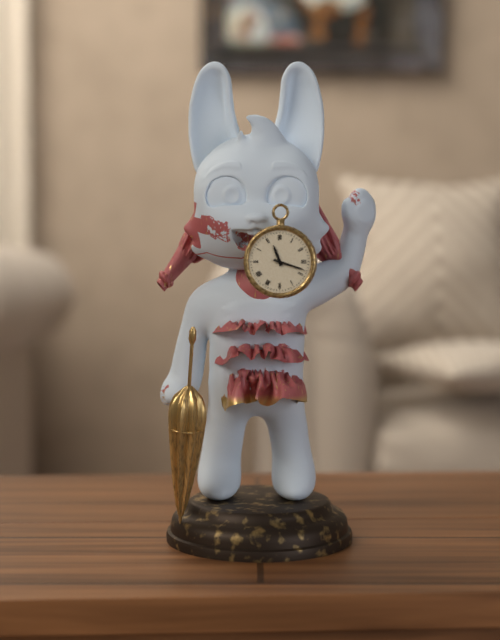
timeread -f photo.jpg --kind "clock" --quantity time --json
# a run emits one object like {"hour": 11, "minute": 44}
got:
{"hour": 11, "minute": 18}
